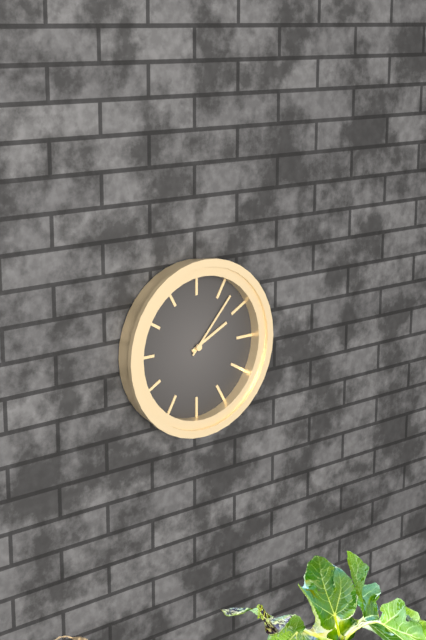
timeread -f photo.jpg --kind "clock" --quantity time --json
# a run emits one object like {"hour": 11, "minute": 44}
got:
{"hour": 2, "minute": 7}
